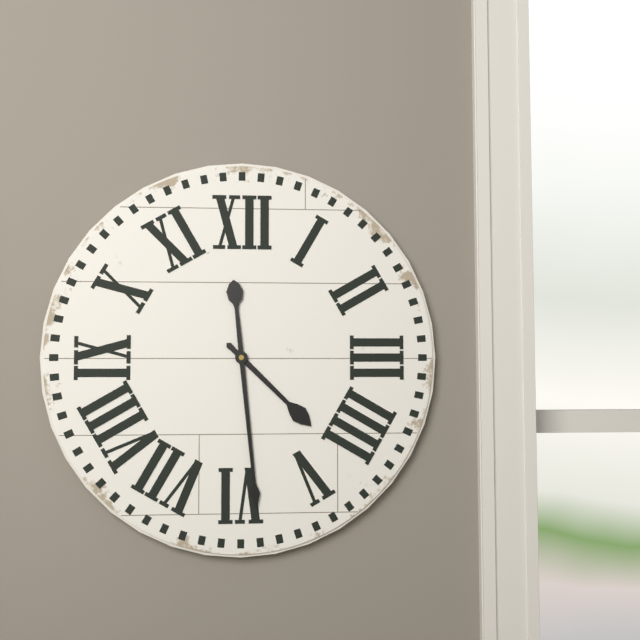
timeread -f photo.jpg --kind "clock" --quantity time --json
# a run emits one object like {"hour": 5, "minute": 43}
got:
{"hour": 4, "minute": 29}
